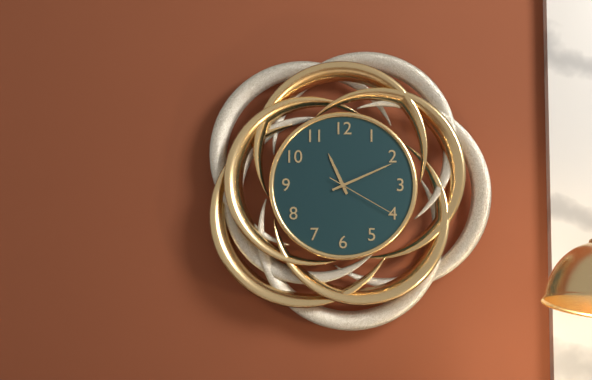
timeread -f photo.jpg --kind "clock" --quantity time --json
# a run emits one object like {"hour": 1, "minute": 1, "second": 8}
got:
{"hour": 11, "minute": 11, "second": 20}
